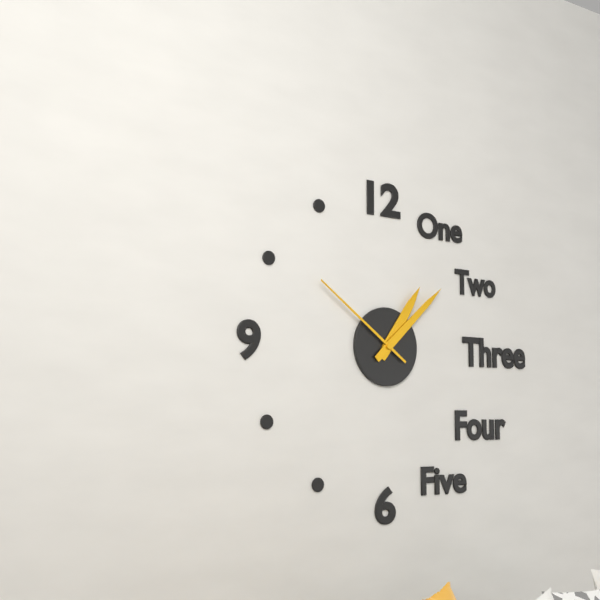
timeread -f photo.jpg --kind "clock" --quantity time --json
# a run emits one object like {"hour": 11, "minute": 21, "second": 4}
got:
{"hour": 1, "minute": 8, "second": 51}
